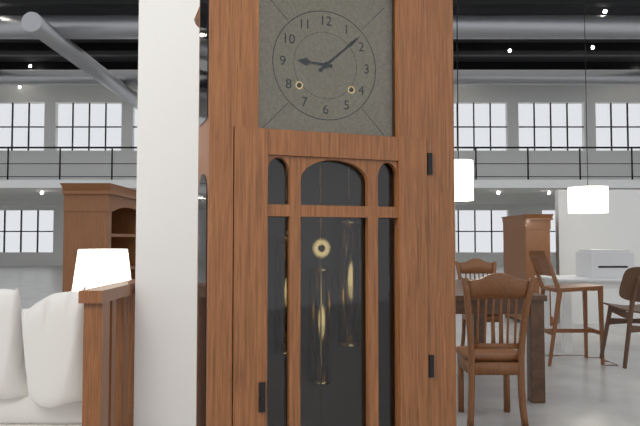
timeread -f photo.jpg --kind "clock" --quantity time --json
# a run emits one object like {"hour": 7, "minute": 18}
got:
{"hour": 9, "minute": 8}
